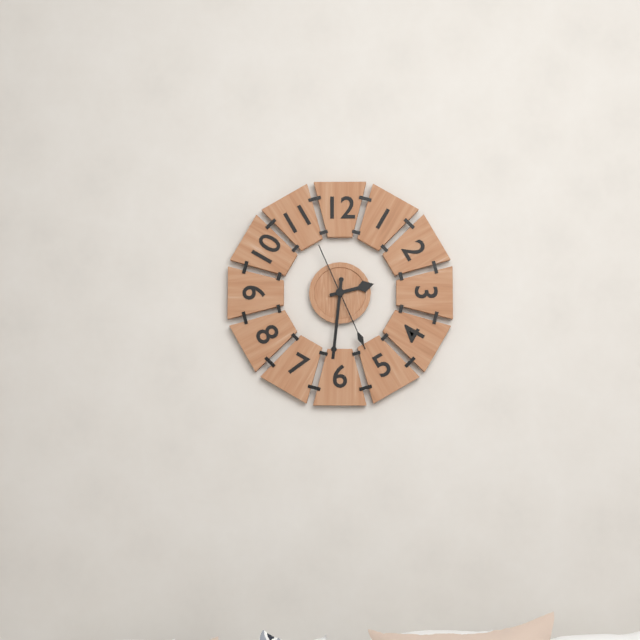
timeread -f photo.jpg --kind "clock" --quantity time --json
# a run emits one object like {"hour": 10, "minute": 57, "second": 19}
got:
{"hour": 2, "minute": 31, "second": 26}
